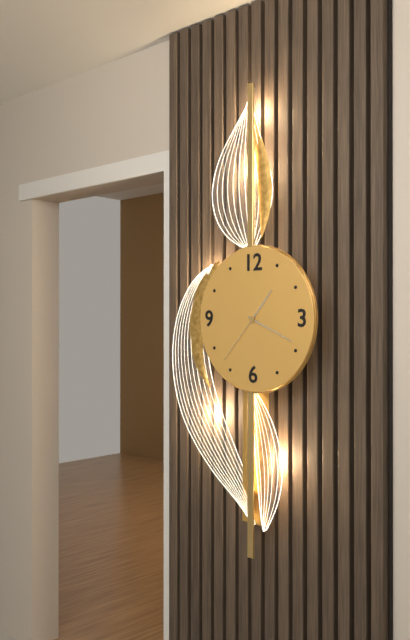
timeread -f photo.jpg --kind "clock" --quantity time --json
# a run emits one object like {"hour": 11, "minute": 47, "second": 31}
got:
{"hour": 1, "minute": 19, "second": 37}
